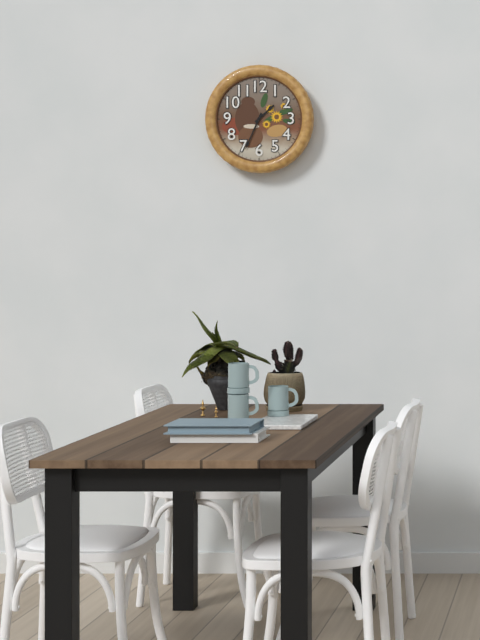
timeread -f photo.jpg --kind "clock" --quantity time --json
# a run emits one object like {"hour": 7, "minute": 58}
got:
{"hour": 1, "minute": 34}
